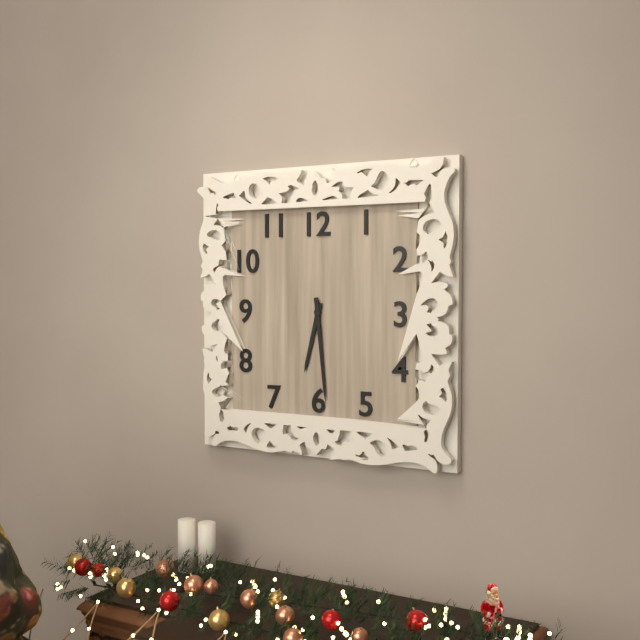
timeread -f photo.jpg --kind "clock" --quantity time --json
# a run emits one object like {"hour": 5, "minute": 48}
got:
{"hour": 6, "minute": 29}
